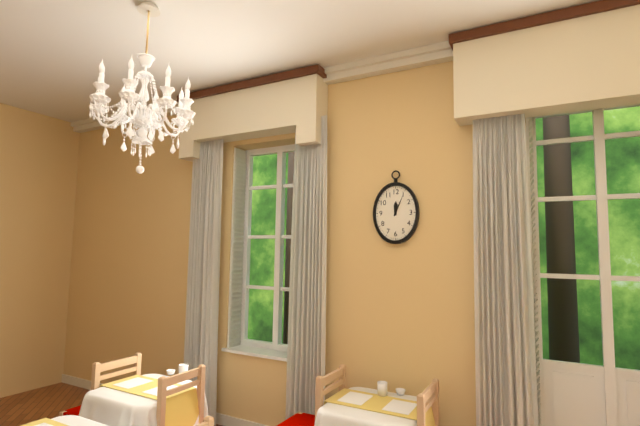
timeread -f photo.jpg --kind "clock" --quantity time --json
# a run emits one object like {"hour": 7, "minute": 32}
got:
{"hour": 12, "minute": 4}
